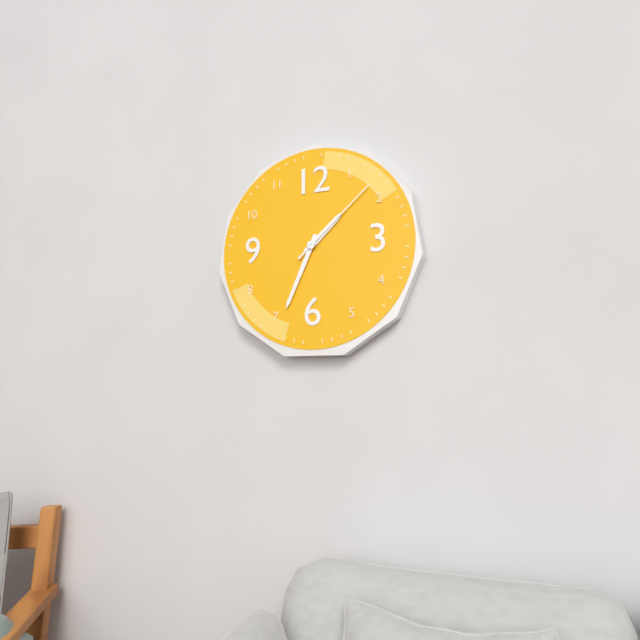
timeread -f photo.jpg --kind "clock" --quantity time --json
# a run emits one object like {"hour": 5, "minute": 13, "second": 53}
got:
{"hour": 1, "minute": 34, "second": 8}
